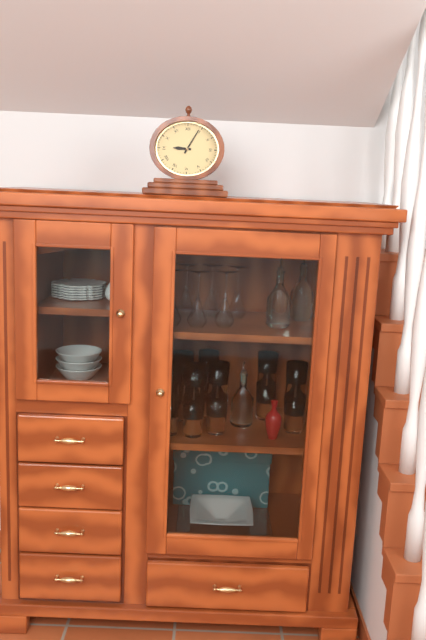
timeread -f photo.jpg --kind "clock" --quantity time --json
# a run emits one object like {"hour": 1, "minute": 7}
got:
{"hour": 9, "minute": 5}
